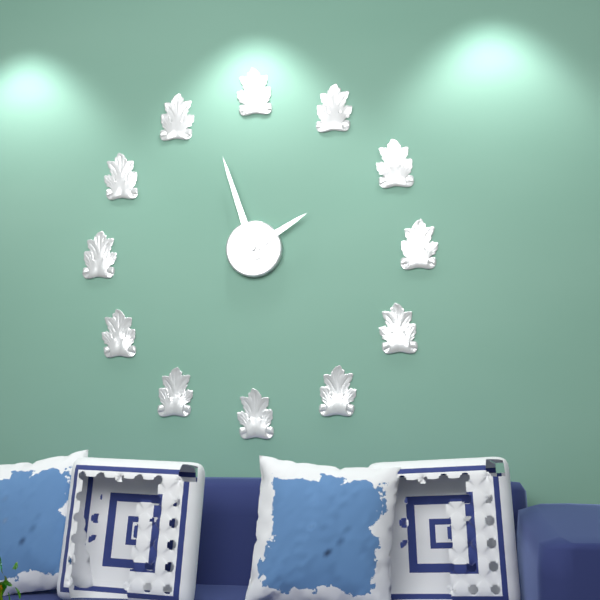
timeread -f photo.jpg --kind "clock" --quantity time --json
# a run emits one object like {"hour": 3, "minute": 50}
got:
{"hour": 1, "minute": 57}
